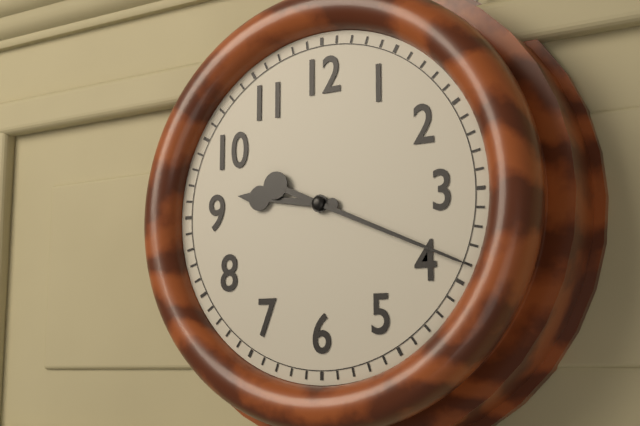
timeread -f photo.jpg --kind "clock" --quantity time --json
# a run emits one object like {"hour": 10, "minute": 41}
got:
{"hour": 9, "minute": 19}
